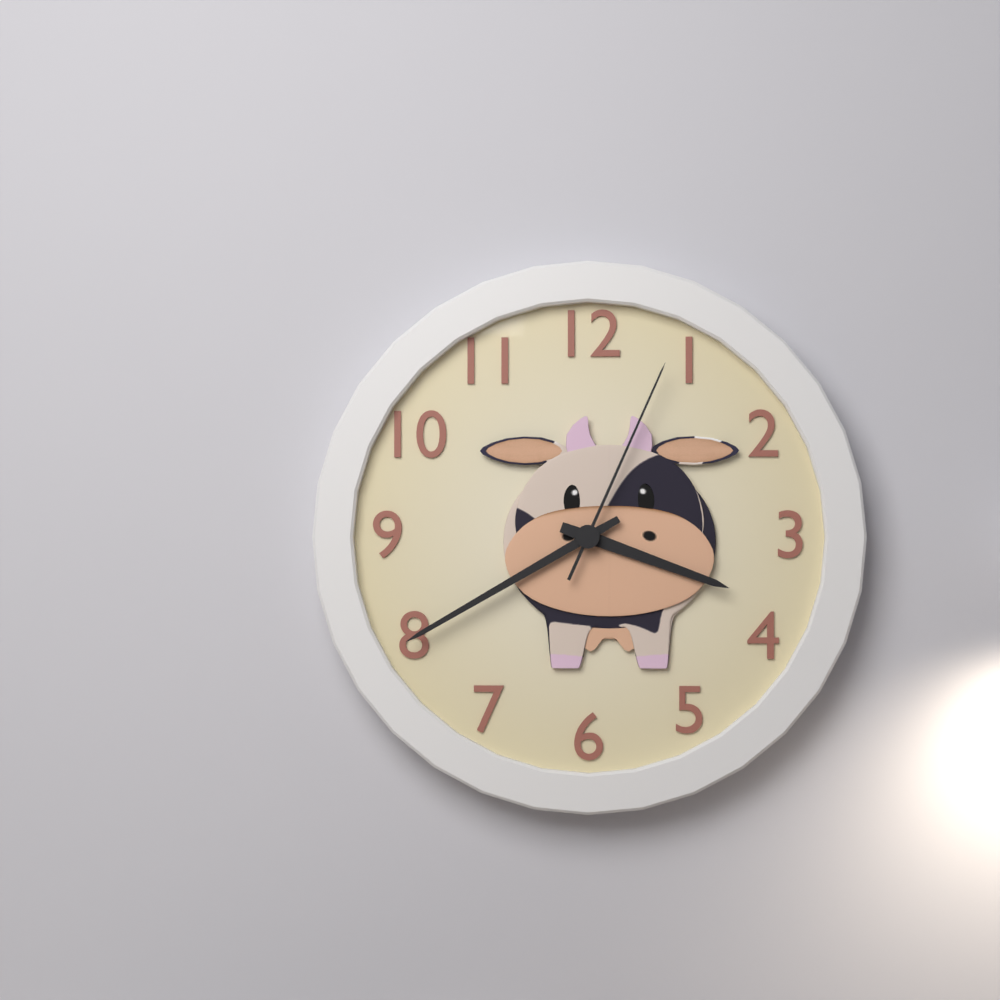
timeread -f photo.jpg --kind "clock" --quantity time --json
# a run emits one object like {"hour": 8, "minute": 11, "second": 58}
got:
{"hour": 3, "minute": 40, "second": 4}
